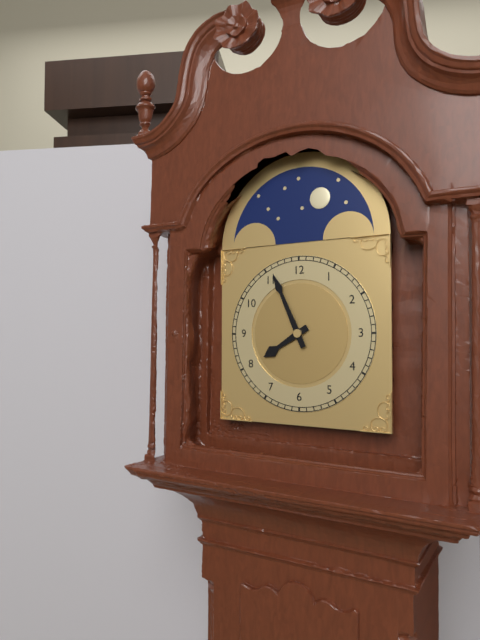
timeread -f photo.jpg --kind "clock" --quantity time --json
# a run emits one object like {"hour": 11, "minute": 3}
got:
{"hour": 7, "minute": 56}
